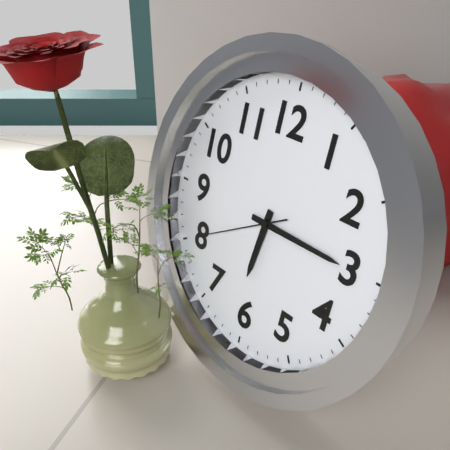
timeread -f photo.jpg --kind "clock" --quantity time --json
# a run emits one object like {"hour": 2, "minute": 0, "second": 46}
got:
{"hour": 6, "minute": 15, "second": 40}
